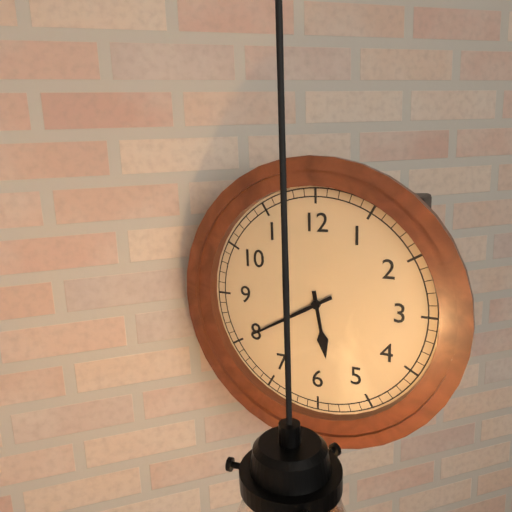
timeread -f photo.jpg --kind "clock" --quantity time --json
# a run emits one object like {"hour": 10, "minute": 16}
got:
{"hour": 5, "minute": 40}
